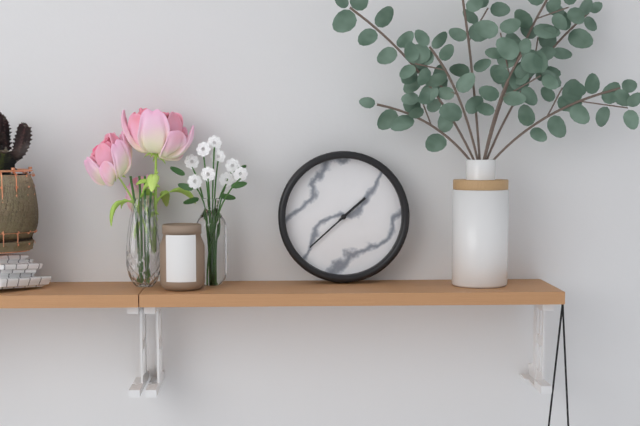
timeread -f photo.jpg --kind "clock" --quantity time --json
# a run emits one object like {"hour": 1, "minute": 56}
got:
{"hour": 1, "minute": 38}
